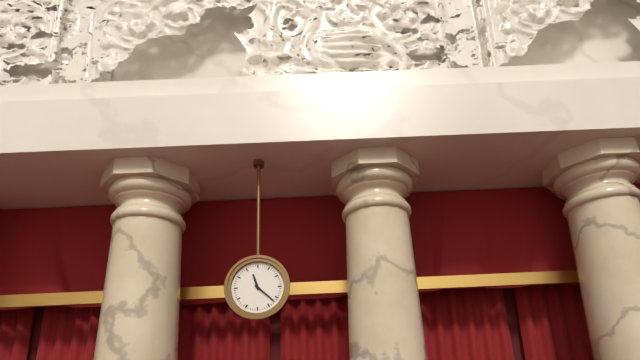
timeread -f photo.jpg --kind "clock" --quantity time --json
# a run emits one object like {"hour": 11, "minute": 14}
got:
{"hour": 11, "minute": 22}
